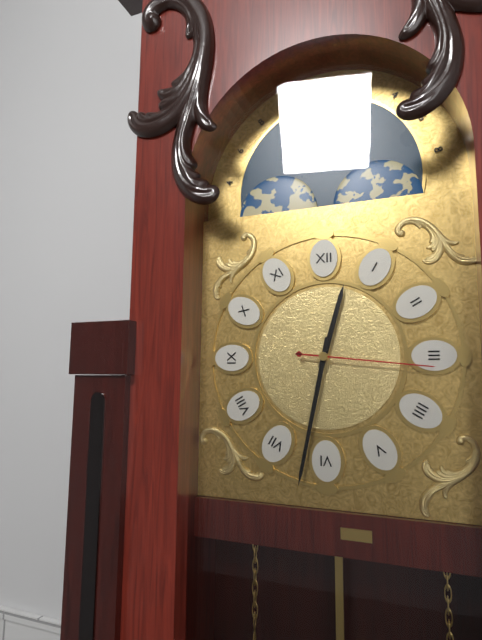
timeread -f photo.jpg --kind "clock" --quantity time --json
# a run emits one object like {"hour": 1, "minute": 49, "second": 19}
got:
{"hour": 12, "minute": 32, "second": 16}
